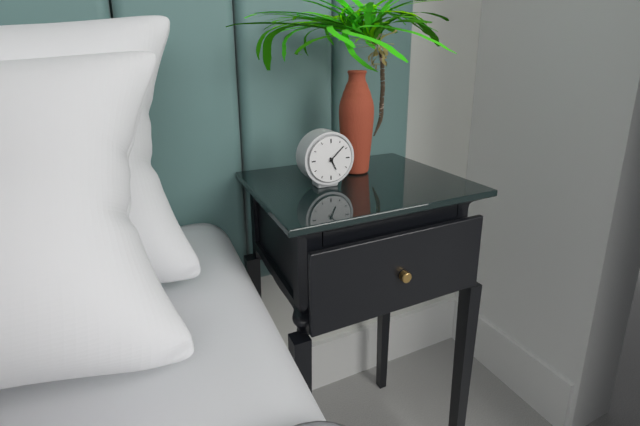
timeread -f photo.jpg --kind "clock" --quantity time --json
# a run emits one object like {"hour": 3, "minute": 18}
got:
{"hour": 5, "minute": 8}
